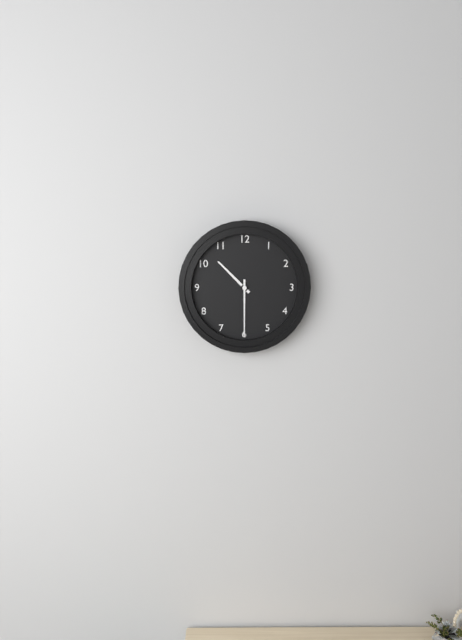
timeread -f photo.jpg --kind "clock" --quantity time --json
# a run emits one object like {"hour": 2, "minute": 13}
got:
{"hour": 10, "minute": 30}
